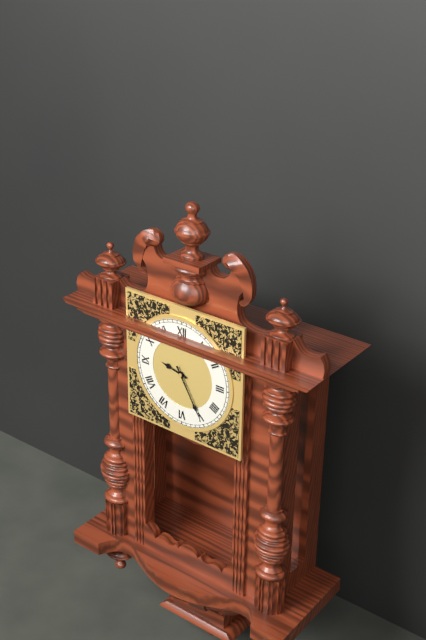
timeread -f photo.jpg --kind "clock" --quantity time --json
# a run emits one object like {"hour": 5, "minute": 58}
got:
{"hour": 9, "minute": 25}
